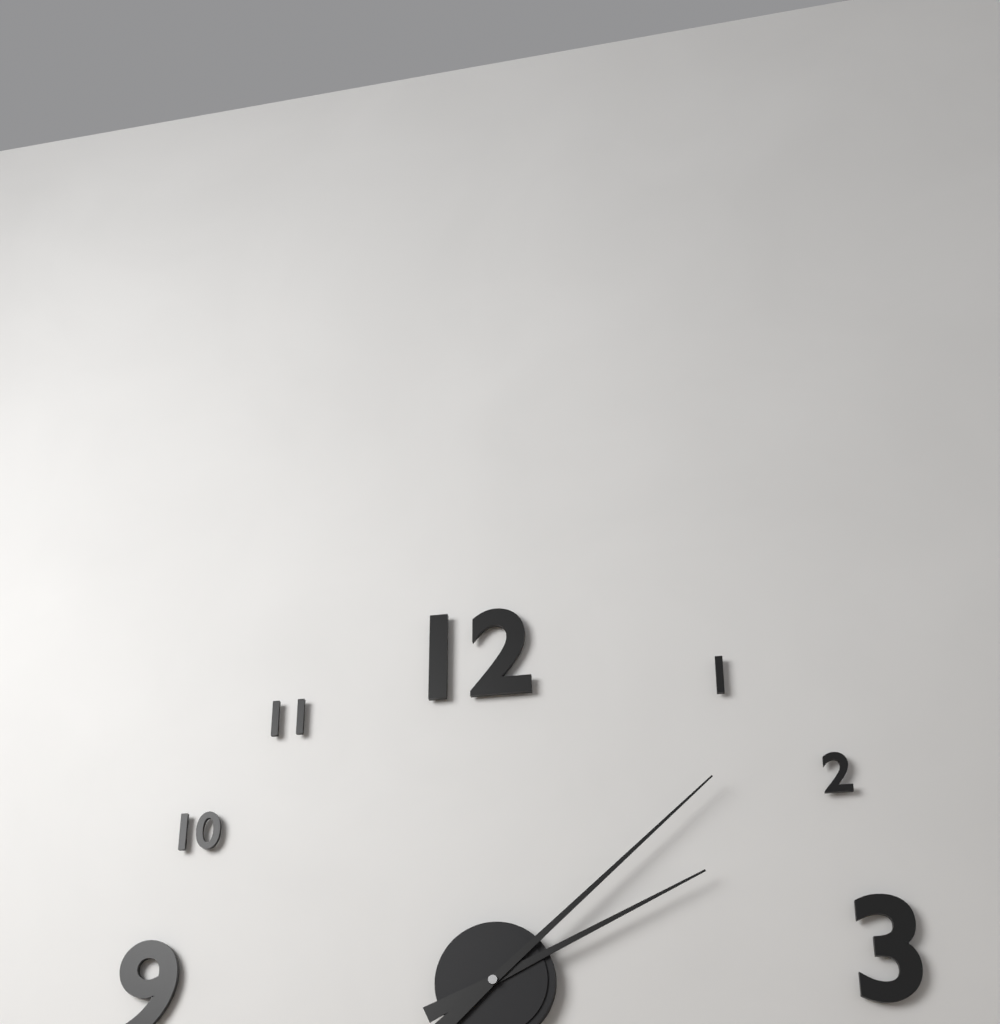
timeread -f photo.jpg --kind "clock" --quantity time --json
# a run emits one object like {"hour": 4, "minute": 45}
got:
{"hour": 2, "minute": 8}
